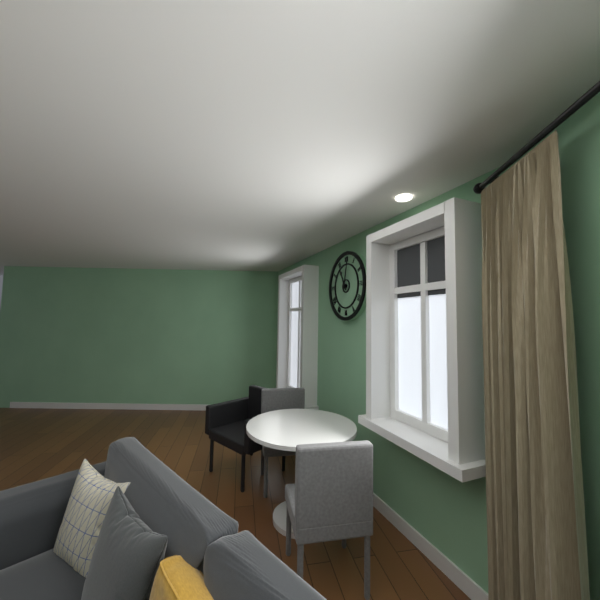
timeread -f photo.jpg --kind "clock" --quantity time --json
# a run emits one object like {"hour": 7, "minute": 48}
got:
{"hour": 11, "minute": 2}
